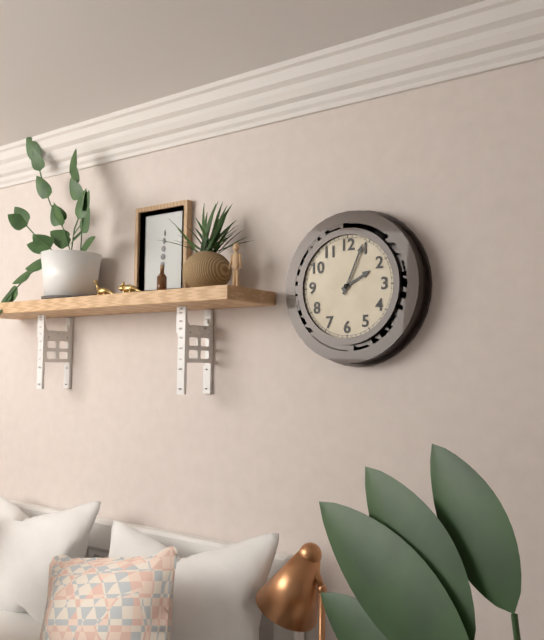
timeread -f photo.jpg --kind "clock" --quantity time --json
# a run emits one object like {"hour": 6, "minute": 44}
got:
{"hour": 2, "minute": 4}
